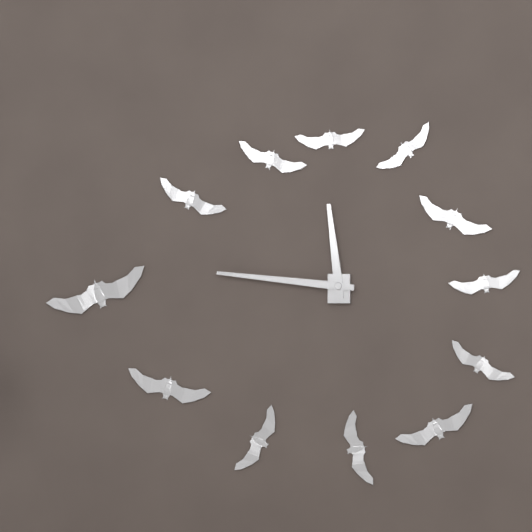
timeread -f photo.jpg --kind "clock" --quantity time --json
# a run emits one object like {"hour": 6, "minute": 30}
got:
{"hour": 11, "minute": 46}
